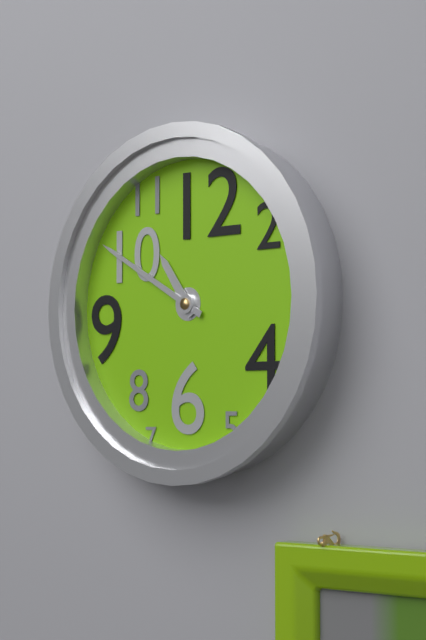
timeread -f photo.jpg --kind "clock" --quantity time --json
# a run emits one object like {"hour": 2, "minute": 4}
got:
{"hour": 10, "minute": 50}
